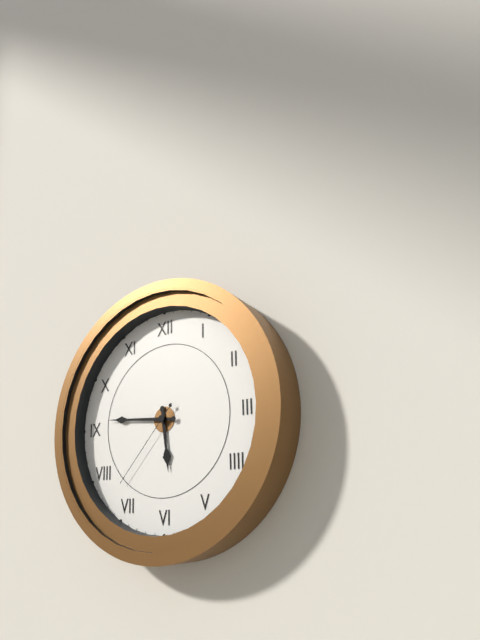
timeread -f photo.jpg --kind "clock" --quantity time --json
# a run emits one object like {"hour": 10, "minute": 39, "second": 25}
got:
{"hour": 5, "minute": 46, "second": 37}
